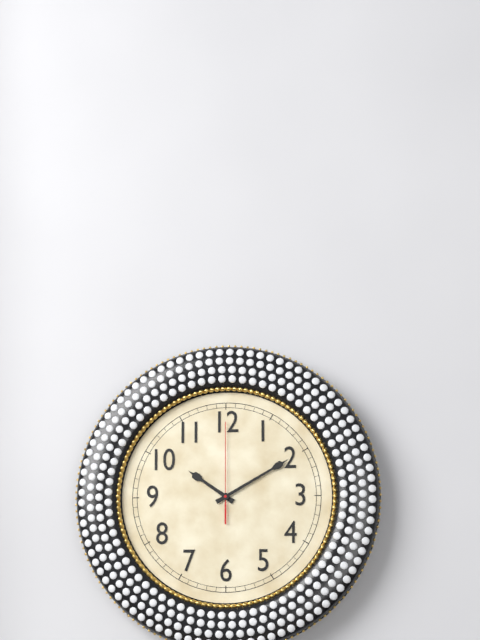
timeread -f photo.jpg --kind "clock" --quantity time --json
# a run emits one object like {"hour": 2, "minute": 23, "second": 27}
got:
{"hour": 10, "minute": 10, "second": 0}
